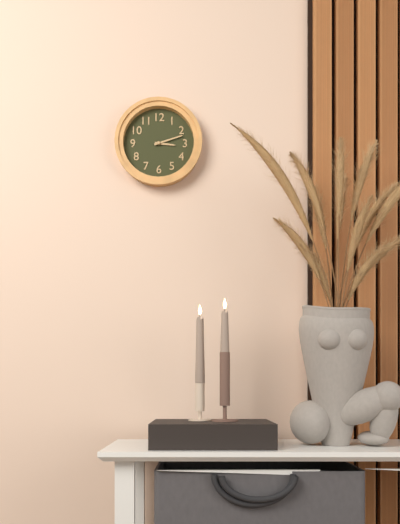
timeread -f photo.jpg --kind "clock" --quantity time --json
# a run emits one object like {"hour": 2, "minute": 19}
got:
{"hour": 3, "minute": 12}
